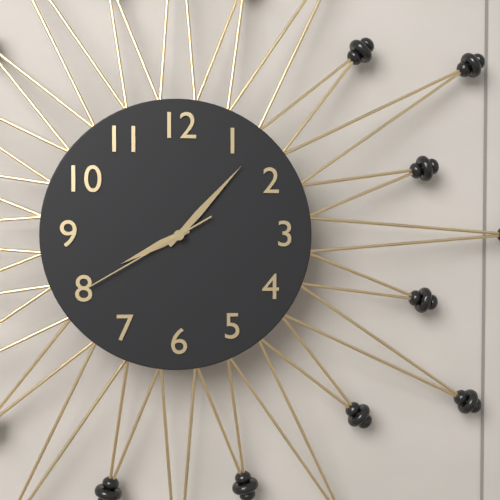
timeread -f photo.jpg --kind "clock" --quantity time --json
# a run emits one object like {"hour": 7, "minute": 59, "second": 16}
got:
{"hour": 8, "minute": 7, "second": 40}
